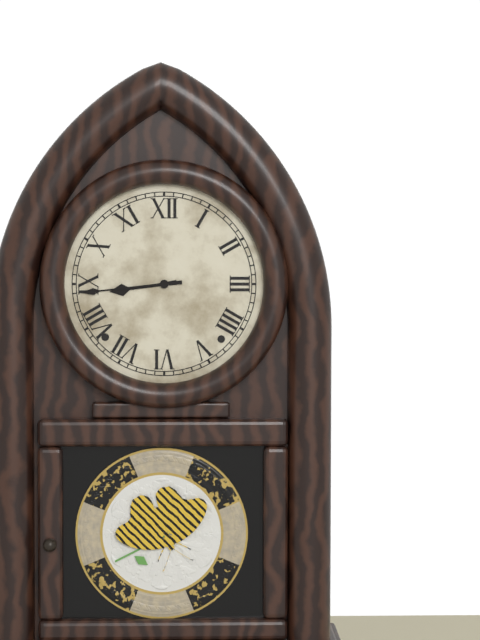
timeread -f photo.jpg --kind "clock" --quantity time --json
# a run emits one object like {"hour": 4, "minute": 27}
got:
{"hour": 8, "minute": 44}
